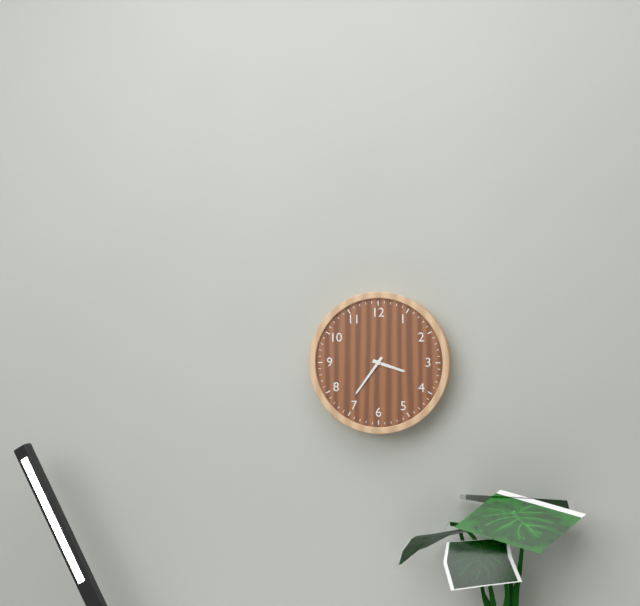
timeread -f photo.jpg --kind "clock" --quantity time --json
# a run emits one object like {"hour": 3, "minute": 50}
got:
{"hour": 3, "minute": 36}
